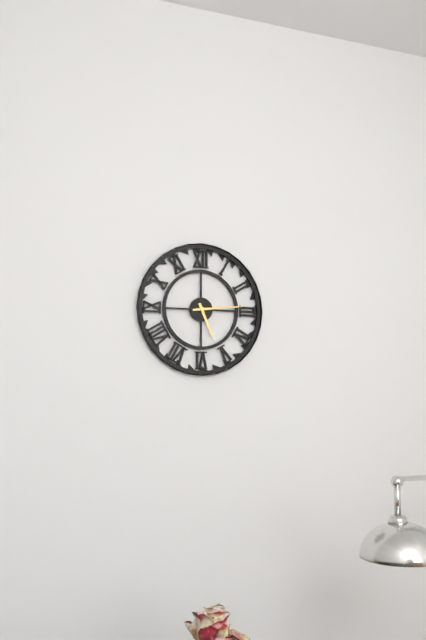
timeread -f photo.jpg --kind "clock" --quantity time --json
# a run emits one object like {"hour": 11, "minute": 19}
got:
{"hour": 5, "minute": 14}
